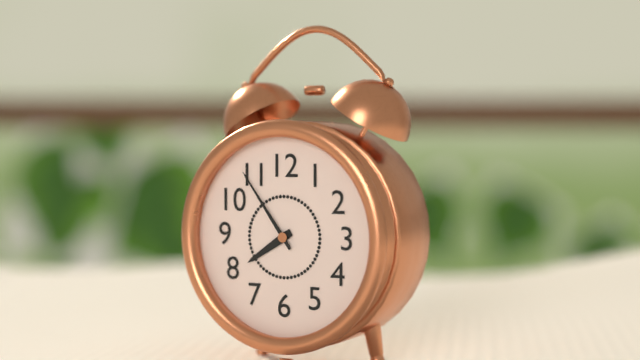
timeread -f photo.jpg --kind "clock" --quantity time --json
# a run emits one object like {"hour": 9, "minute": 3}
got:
{"hour": 7, "minute": 54}
